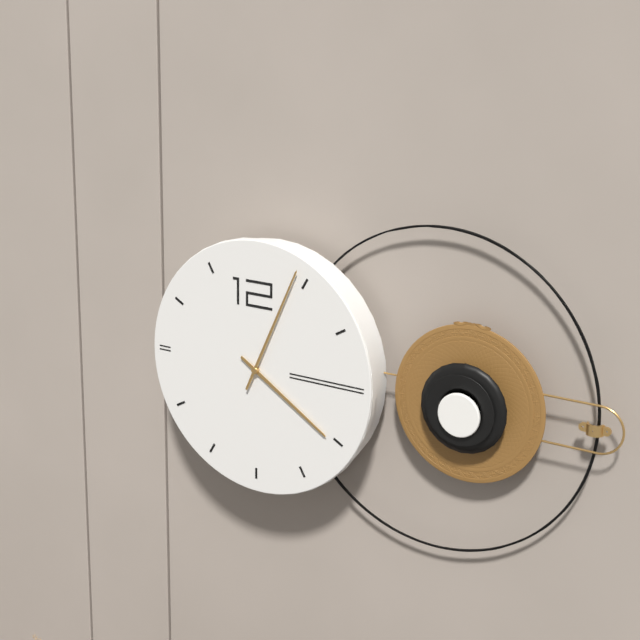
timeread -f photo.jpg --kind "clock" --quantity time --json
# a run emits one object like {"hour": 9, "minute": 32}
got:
{"hour": 4, "minute": 4}
